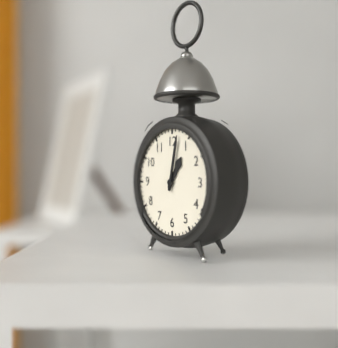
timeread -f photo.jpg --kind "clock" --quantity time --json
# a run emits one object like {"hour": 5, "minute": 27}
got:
{"hour": 1, "minute": 2}
